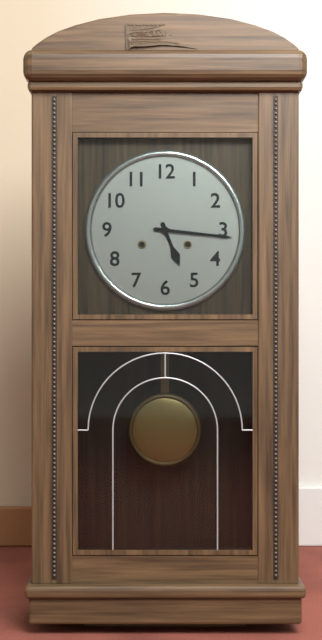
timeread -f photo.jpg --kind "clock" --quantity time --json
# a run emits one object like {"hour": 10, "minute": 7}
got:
{"hour": 5, "minute": 16}
